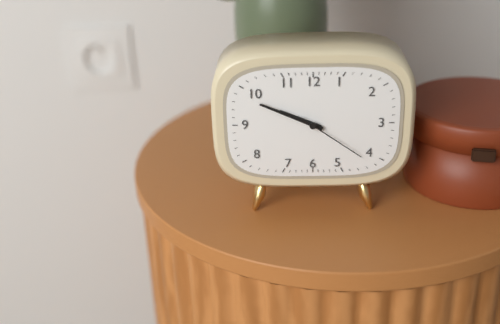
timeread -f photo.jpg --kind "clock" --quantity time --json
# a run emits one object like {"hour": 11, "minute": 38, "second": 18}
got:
{"hour": 9, "minute": 49, "second": 21}
